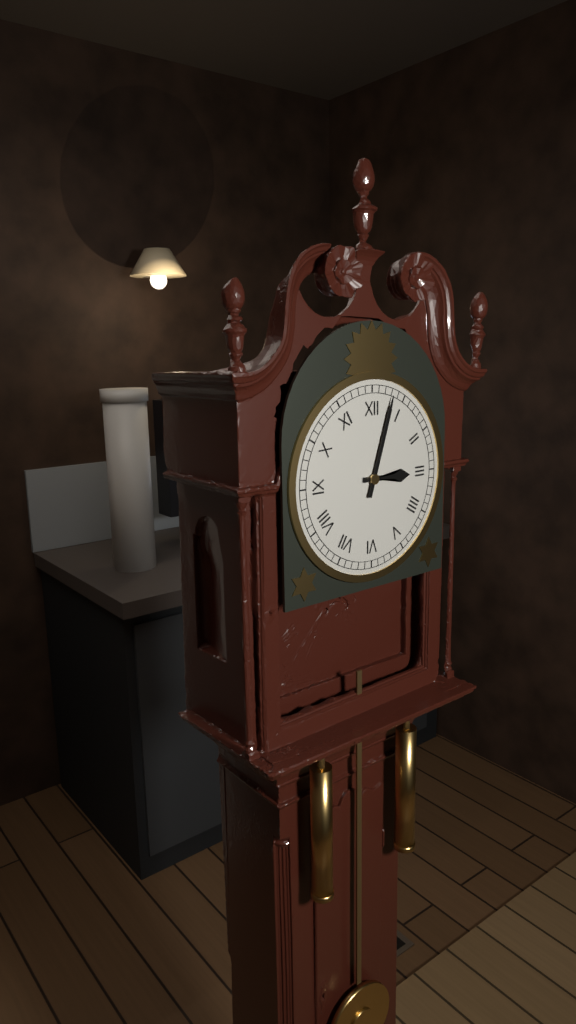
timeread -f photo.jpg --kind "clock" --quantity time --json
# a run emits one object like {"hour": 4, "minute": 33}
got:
{"hour": 3, "minute": 3}
